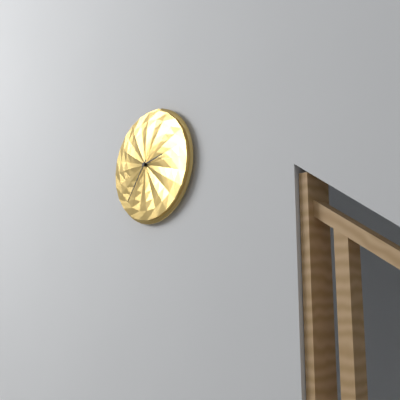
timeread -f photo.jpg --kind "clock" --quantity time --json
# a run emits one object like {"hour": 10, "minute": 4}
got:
{"hour": 2, "minute": 36}
